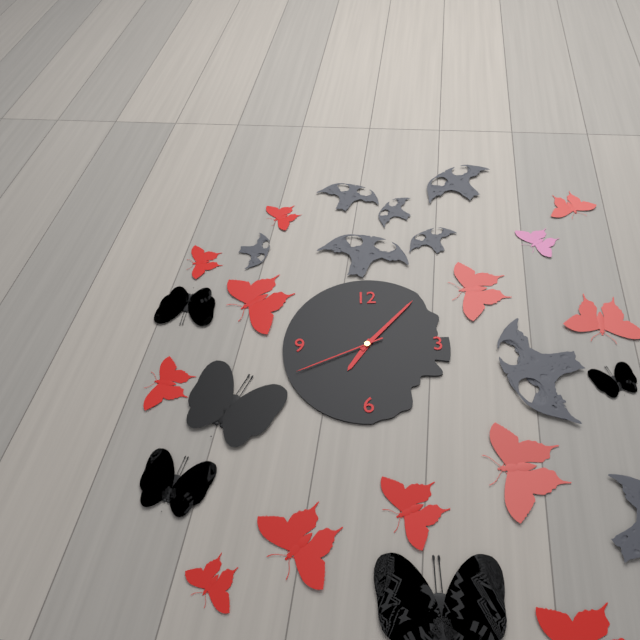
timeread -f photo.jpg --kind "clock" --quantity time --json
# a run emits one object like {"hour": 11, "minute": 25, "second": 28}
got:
{"hour": 7, "minute": 7, "second": 41}
